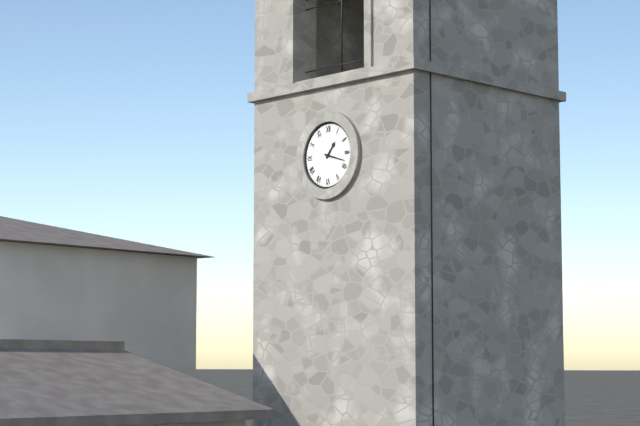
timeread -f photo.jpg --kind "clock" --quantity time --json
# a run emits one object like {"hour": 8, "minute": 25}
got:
{"hour": 1, "minute": 18}
